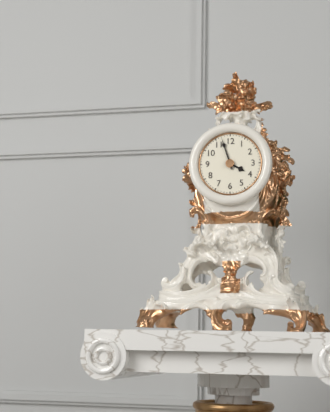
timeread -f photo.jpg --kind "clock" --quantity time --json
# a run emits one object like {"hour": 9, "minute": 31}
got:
{"hour": 3, "minute": 57}
